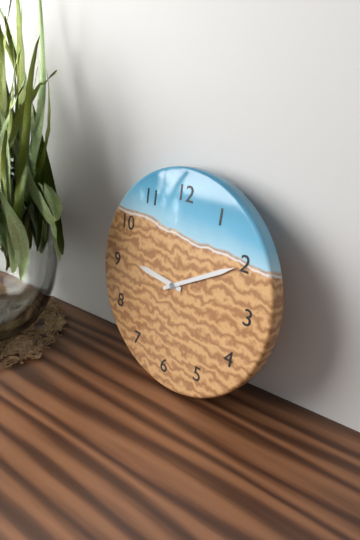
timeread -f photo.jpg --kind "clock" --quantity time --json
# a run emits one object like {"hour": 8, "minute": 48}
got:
{"hour": 9, "minute": 10}
